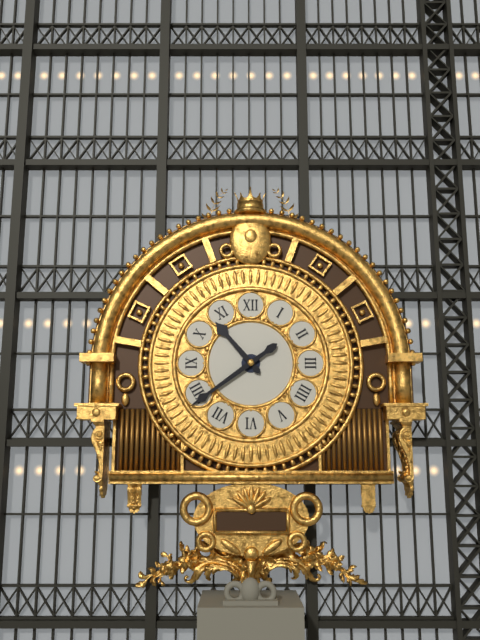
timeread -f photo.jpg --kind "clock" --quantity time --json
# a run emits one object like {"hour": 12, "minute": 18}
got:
{"hour": 10, "minute": 39}
